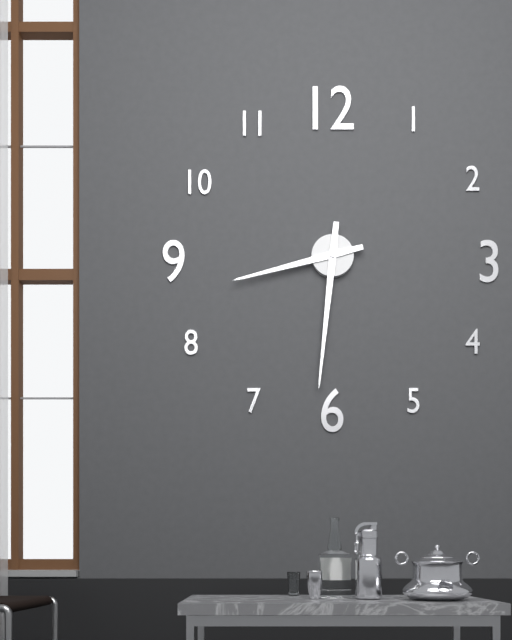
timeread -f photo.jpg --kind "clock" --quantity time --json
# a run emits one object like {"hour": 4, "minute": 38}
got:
{"hour": 8, "minute": 31}
